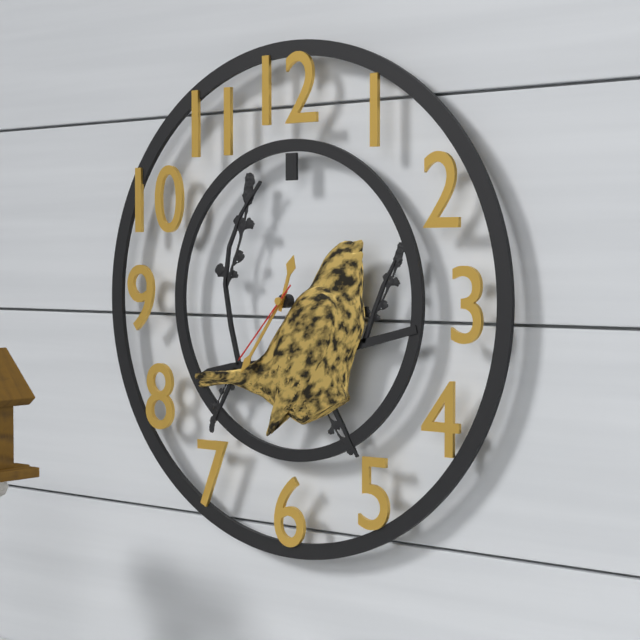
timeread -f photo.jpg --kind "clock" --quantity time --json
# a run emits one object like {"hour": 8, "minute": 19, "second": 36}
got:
{"hour": 12, "minute": 36, "second": 37}
